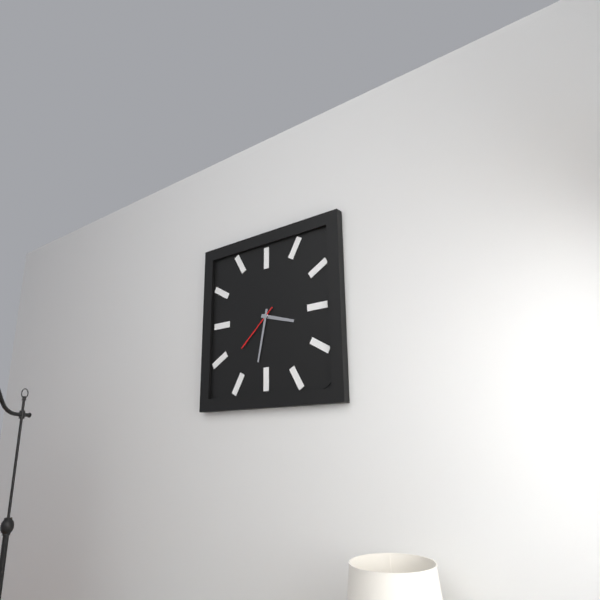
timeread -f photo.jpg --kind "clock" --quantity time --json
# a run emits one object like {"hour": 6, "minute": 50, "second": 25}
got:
{"hour": 3, "minute": 32, "second": 38}
